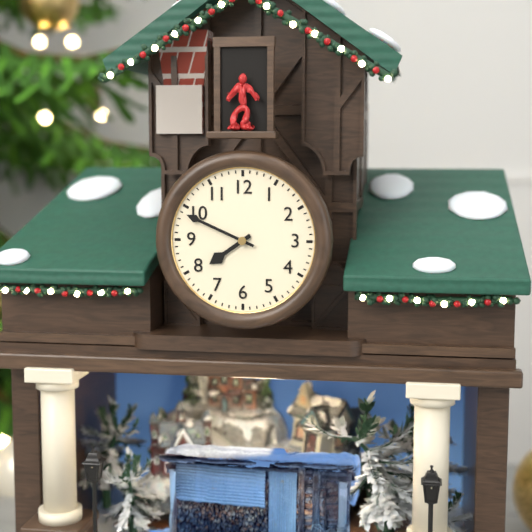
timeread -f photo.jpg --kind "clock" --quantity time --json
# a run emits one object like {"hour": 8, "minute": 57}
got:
{"hour": 7, "minute": 49}
